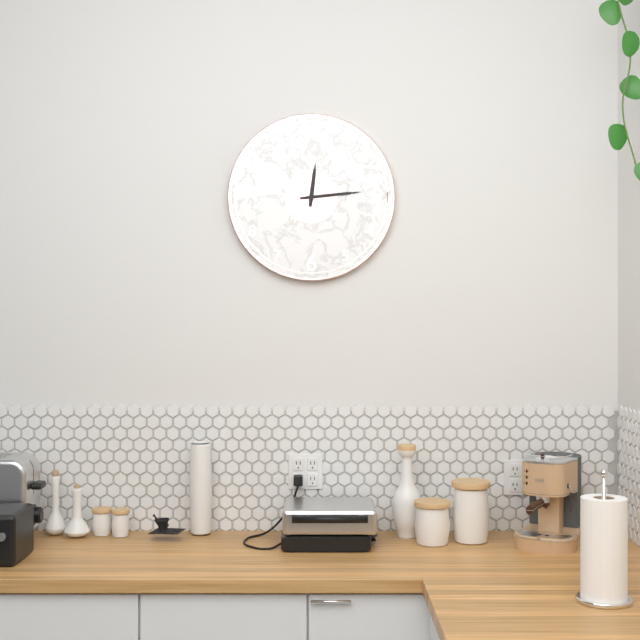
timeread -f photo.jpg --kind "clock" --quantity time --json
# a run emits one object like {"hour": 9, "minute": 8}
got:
{"hour": 12, "minute": 14}
